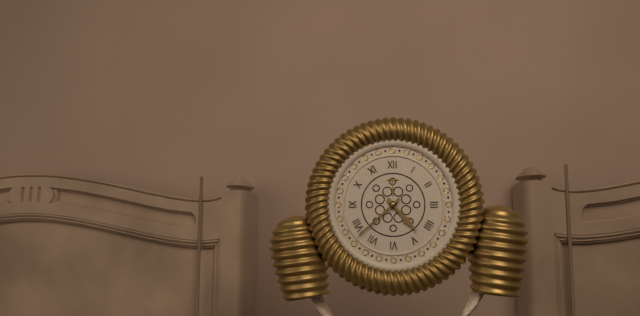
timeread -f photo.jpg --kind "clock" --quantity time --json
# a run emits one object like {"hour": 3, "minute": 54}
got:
{"hour": 4, "minute": 38}
